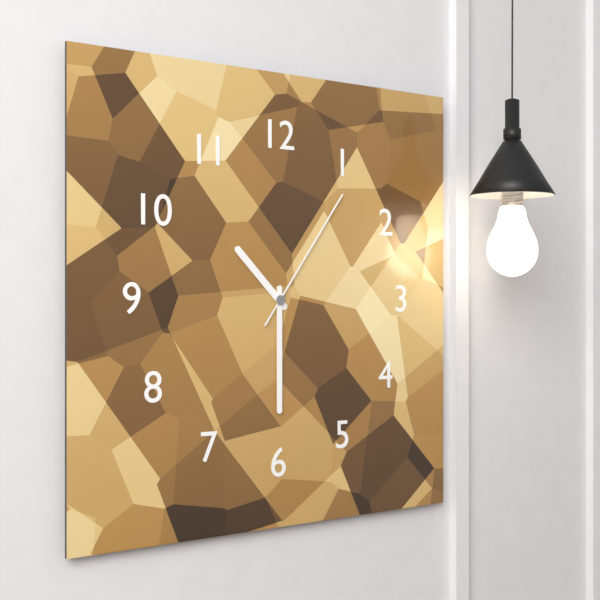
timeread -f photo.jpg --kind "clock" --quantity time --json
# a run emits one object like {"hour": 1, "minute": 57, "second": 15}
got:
{"hour": 10, "minute": 30, "second": 6}
